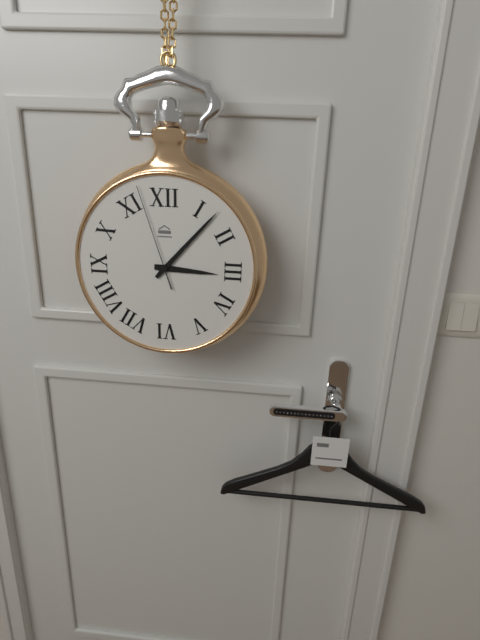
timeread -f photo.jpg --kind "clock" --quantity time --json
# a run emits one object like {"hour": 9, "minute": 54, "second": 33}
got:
{"hour": 3, "minute": 7, "second": 57}
